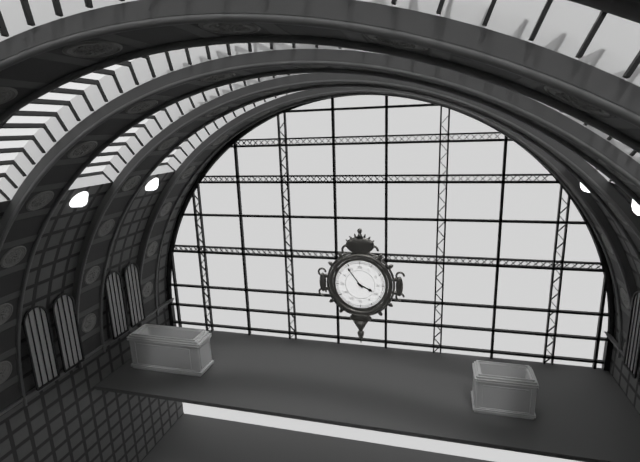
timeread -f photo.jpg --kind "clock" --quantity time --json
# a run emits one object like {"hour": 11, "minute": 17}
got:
{"hour": 3, "minute": 54}
